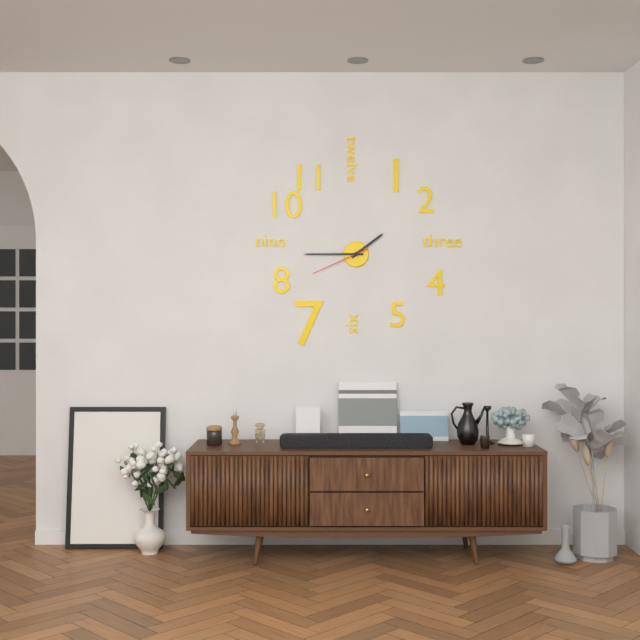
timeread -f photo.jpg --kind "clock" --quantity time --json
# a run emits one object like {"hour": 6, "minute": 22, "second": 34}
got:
{"hour": 1, "minute": 45, "second": 41}
